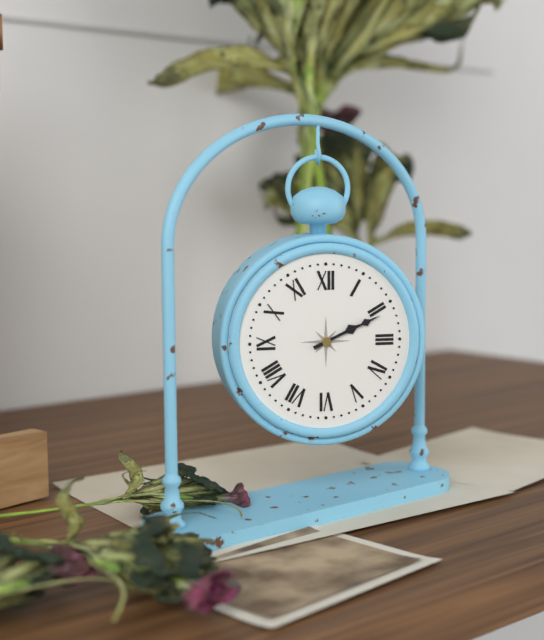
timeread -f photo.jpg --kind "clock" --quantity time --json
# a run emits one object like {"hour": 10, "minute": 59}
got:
{"hour": 2, "minute": 11}
